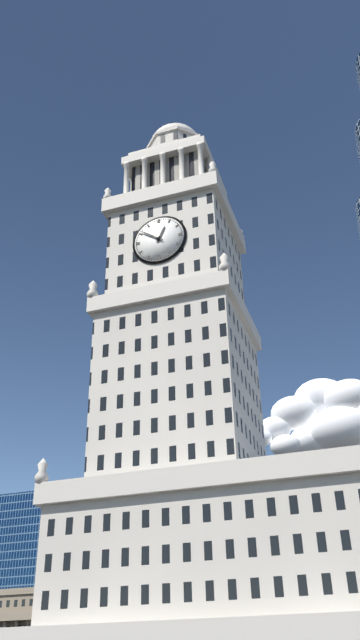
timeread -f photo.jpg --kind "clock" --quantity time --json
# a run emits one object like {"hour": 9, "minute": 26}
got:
{"hour": 12, "minute": 51}
